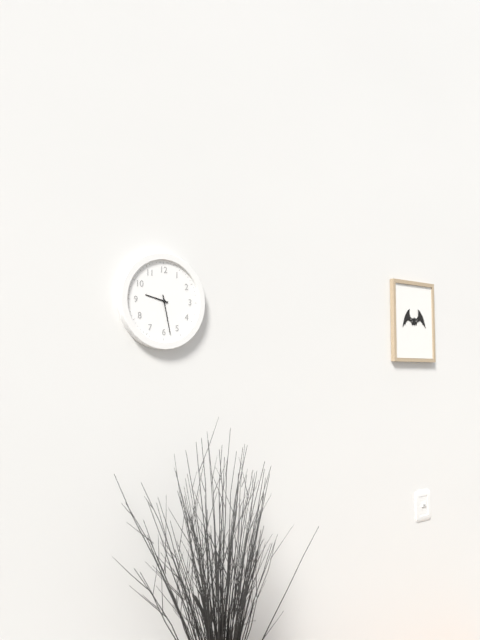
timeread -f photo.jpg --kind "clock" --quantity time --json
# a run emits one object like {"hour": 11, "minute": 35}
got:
{"hour": 9, "minute": 28}
